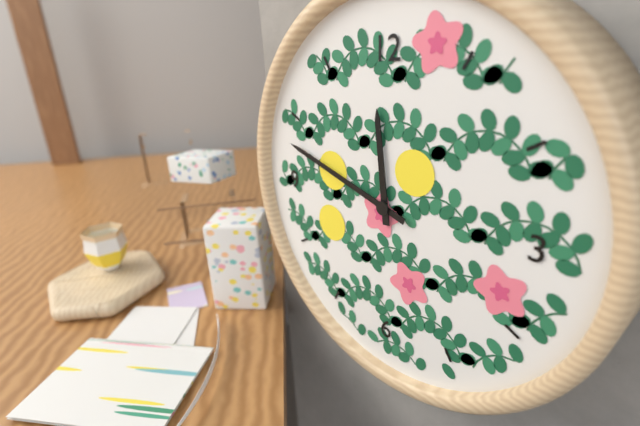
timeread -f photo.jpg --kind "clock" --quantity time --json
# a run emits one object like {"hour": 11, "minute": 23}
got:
{"hour": 11, "minute": 48}
